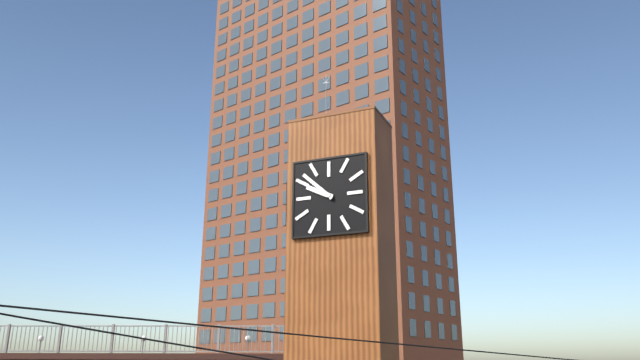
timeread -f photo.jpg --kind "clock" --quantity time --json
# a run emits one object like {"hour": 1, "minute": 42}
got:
{"hour": 9, "minute": 52}
